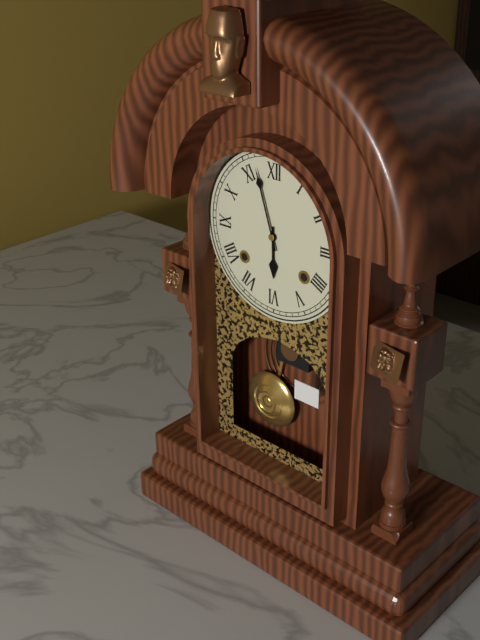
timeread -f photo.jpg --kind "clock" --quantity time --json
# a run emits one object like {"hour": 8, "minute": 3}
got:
{"hour": 5, "minute": 57}
